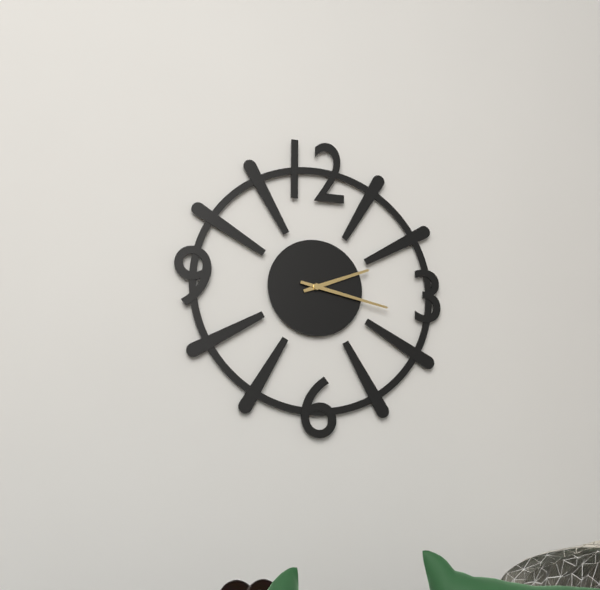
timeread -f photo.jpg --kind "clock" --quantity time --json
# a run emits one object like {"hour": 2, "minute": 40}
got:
{"hour": 2, "minute": 17}
